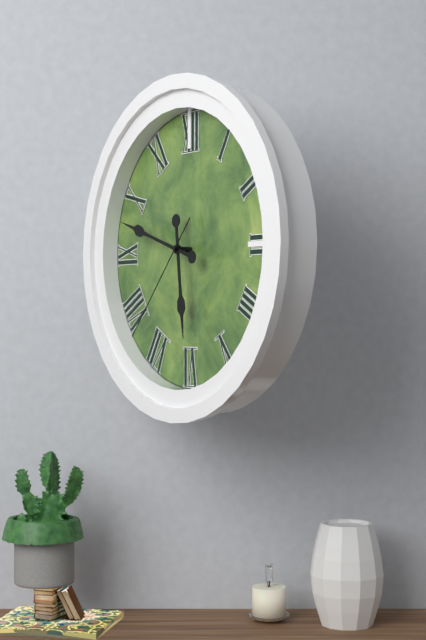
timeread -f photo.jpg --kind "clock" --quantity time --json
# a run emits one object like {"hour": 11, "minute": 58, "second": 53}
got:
{"hour": 5, "minute": 48, "second": 37}
